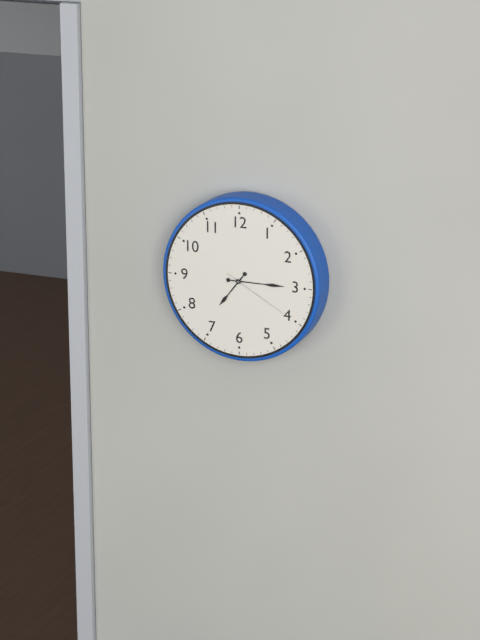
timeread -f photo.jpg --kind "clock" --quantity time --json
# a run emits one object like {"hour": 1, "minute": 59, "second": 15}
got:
{"hour": 7, "minute": 15, "second": 20}
